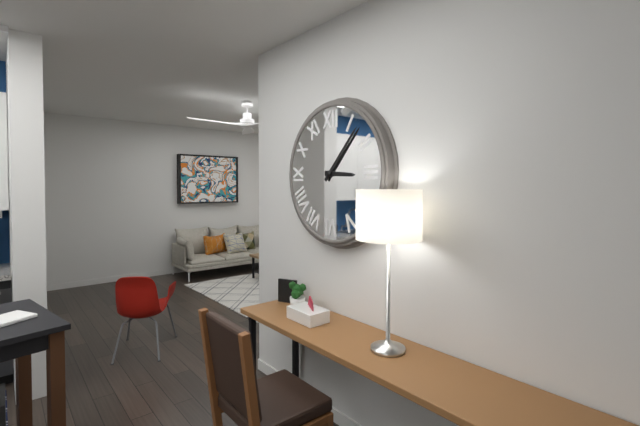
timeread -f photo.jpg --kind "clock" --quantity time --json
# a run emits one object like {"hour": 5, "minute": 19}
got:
{"hour": 3, "minute": 7}
